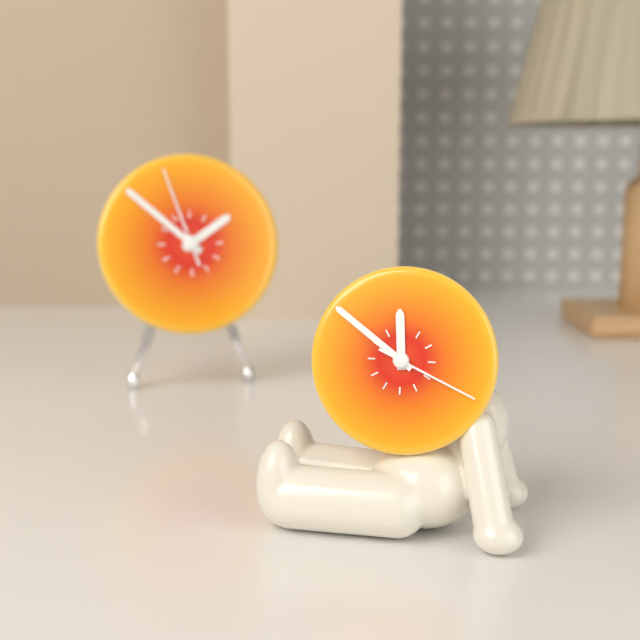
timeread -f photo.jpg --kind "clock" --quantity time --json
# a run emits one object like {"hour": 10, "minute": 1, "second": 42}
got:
{"hour": 11, "minute": 51, "second": 19}
